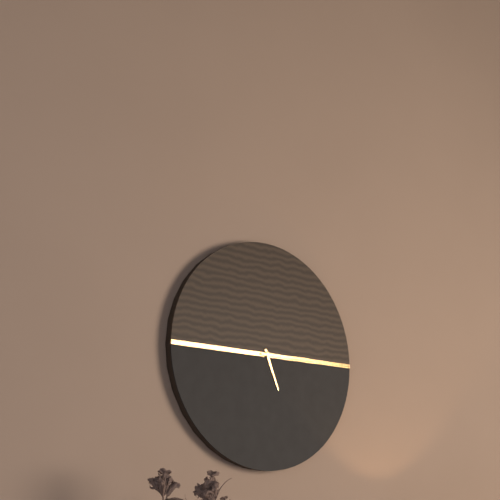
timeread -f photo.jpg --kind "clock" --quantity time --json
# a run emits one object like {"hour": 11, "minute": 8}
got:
{"hour": 5, "minute": 15}
